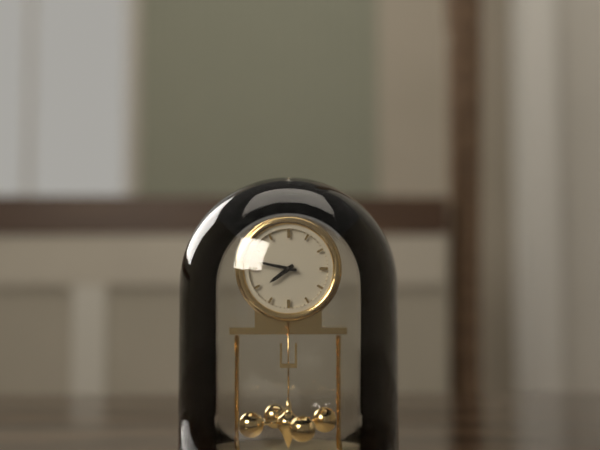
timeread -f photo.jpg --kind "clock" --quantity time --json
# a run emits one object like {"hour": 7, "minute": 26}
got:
{"hour": 7, "minute": 47}
